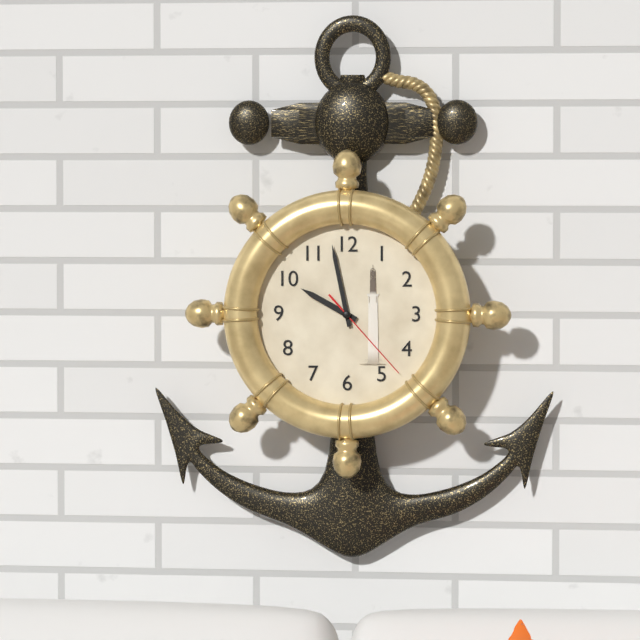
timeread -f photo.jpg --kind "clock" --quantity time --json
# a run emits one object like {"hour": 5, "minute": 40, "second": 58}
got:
{"hour": 9, "minute": 58, "second": 23}
